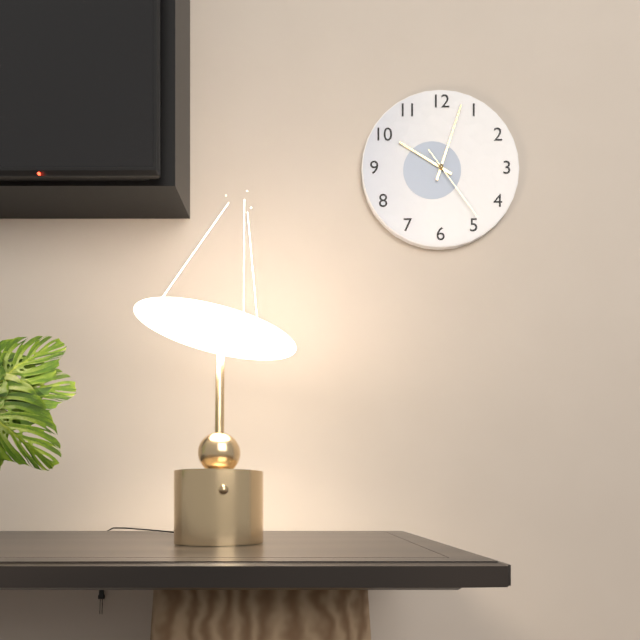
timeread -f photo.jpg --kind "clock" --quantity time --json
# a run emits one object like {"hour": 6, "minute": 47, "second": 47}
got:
{"hour": 10, "minute": 3, "second": 24}
